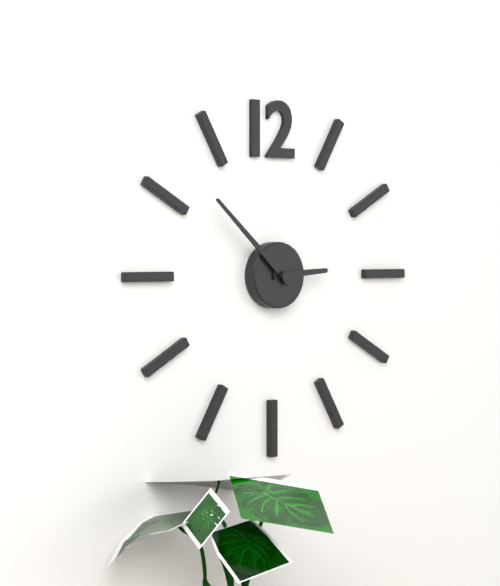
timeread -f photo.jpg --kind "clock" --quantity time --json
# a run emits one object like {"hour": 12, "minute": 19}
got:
{"hour": 2, "minute": 52}
